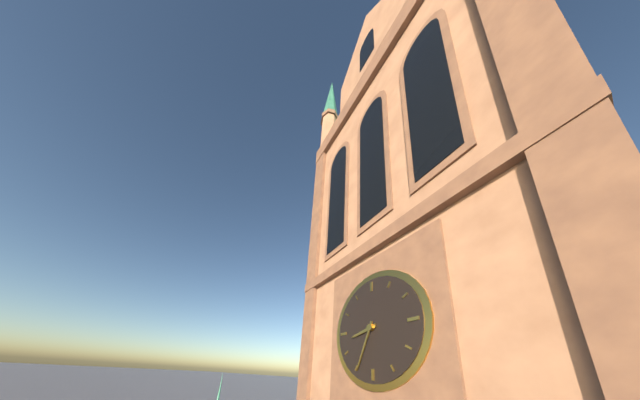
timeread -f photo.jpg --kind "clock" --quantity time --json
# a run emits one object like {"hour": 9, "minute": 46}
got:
{"hour": 8, "minute": 34}
